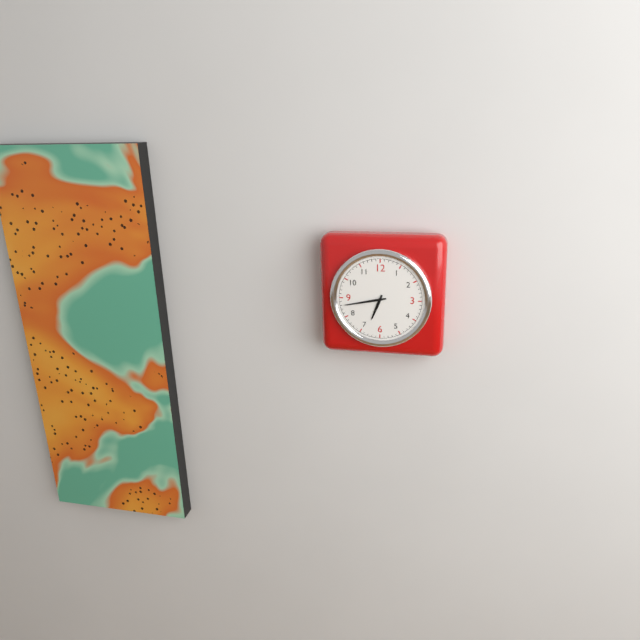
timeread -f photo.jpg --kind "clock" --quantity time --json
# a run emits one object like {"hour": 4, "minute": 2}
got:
{"hour": 6, "minute": 43}
